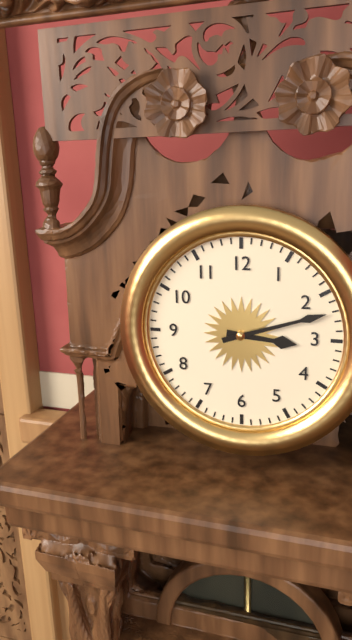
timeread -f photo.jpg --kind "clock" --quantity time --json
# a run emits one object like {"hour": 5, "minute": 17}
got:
{"hour": 3, "minute": 12}
